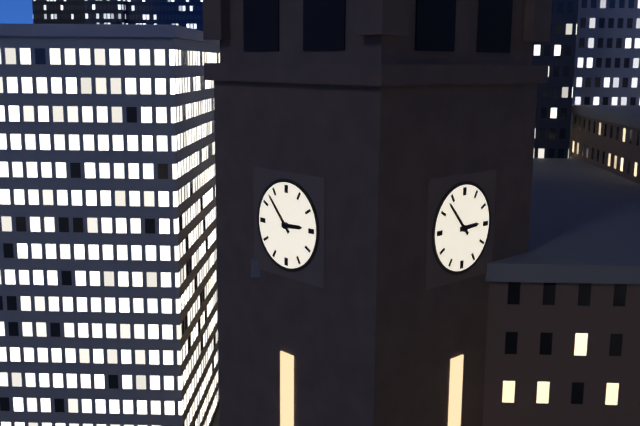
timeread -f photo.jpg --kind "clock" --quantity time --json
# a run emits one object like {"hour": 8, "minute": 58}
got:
{"hour": 2, "minute": 53}
